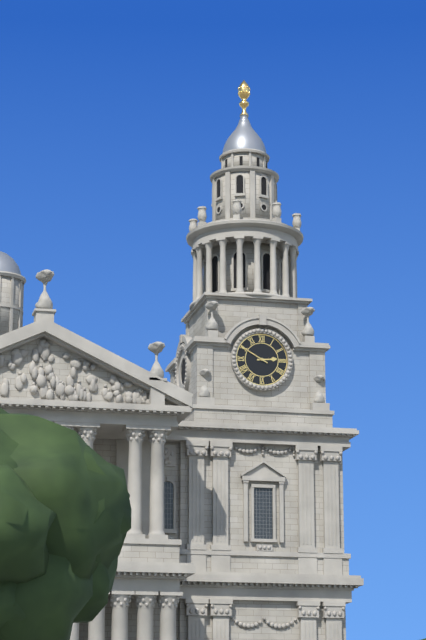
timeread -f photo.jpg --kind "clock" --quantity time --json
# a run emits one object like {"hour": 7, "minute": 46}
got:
{"hour": 2, "minute": 50}
